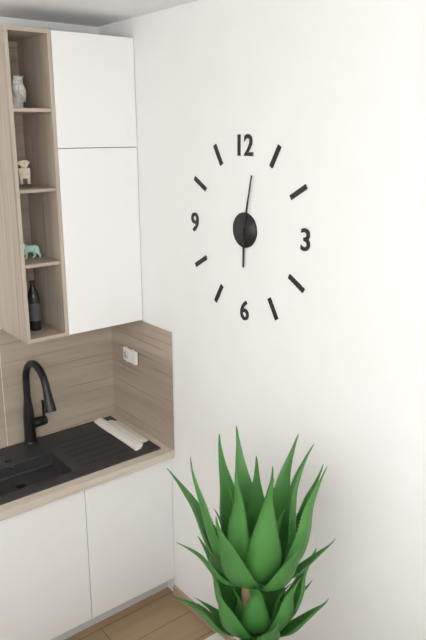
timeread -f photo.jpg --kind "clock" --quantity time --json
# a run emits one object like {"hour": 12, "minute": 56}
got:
{"hour": 6, "minute": 2}
